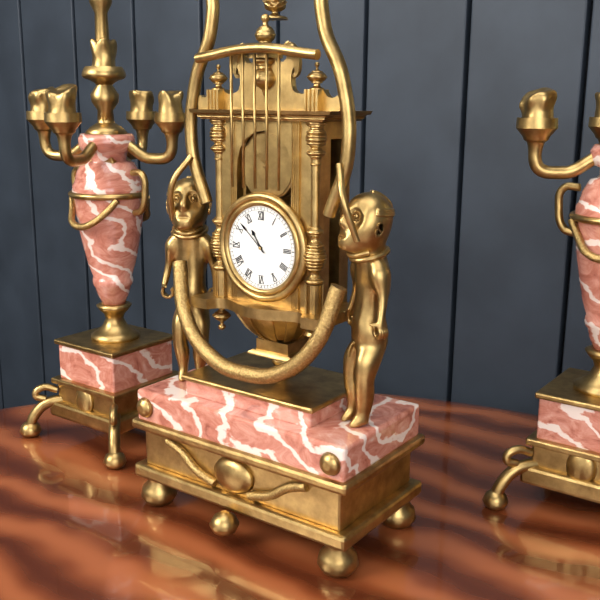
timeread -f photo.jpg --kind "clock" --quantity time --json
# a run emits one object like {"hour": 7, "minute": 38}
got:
{"hour": 10, "minute": 52}
